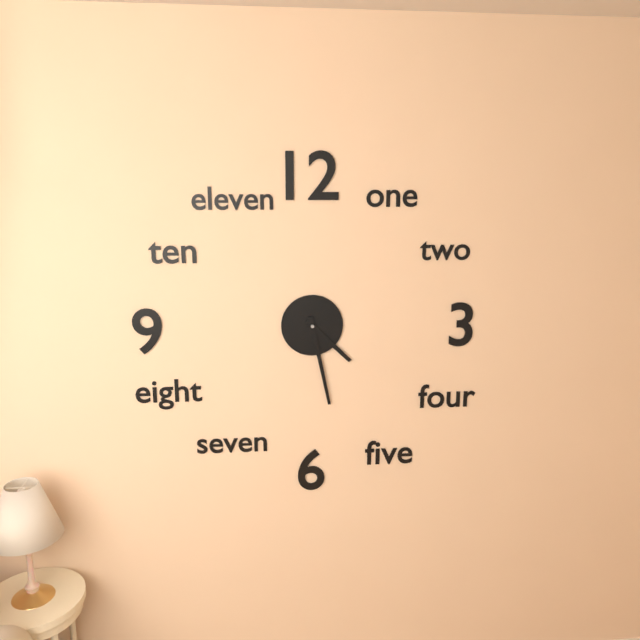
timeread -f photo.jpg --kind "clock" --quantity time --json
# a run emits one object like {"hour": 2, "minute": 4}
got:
{"hour": 4, "minute": 28}
